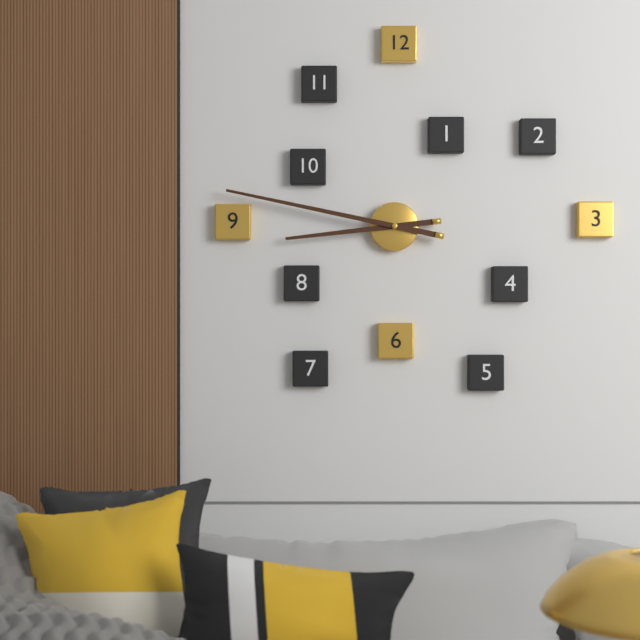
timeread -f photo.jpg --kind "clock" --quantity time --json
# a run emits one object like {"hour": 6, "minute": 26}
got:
{"hour": 8, "minute": 47}
